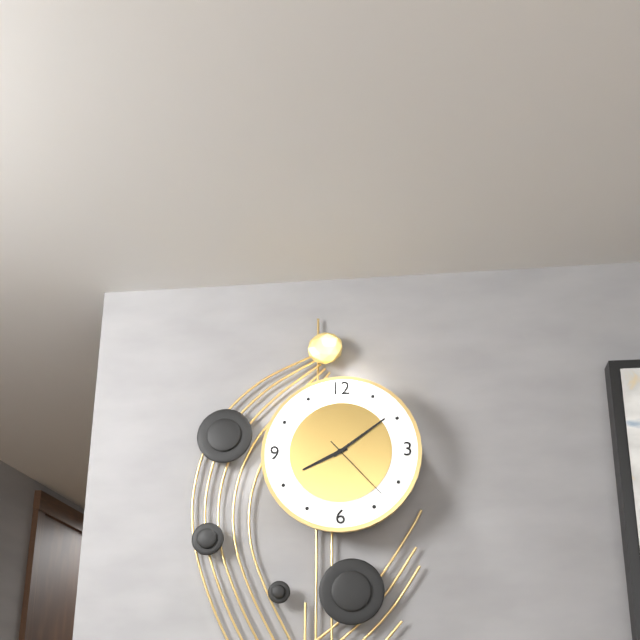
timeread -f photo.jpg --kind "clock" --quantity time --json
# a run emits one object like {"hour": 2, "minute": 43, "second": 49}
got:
{"hour": 8, "minute": 9, "second": 23}
